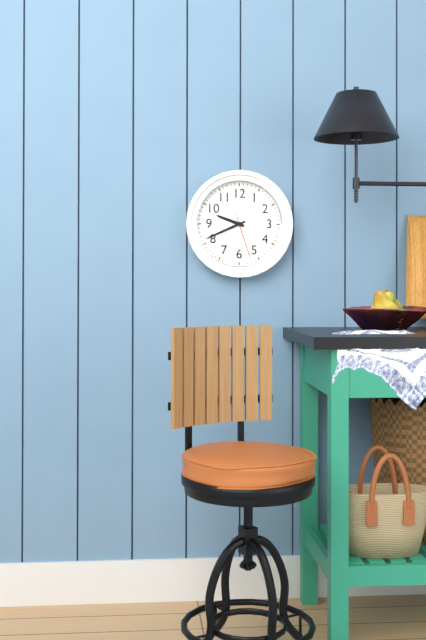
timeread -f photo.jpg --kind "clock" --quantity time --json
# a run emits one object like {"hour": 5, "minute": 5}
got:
{"hour": 9, "minute": 41}
